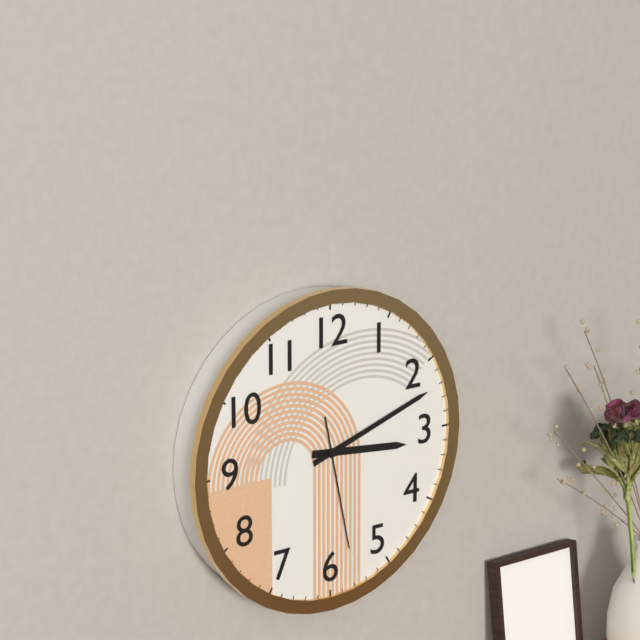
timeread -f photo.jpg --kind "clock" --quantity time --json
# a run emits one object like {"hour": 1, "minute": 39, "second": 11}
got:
{"hour": 3, "minute": 12, "second": 28}
